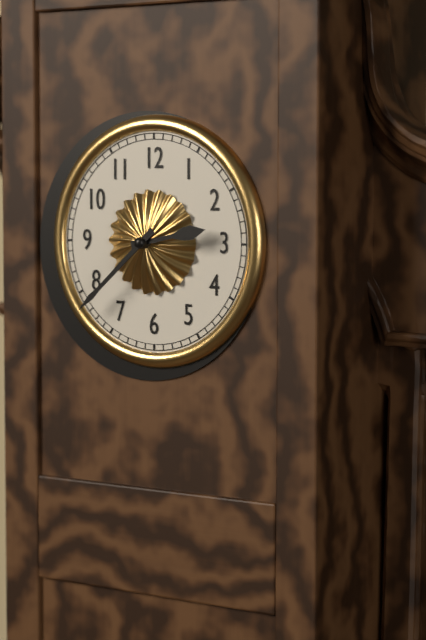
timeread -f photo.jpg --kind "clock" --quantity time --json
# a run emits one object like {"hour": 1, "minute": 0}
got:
{"hour": 2, "minute": 38}
